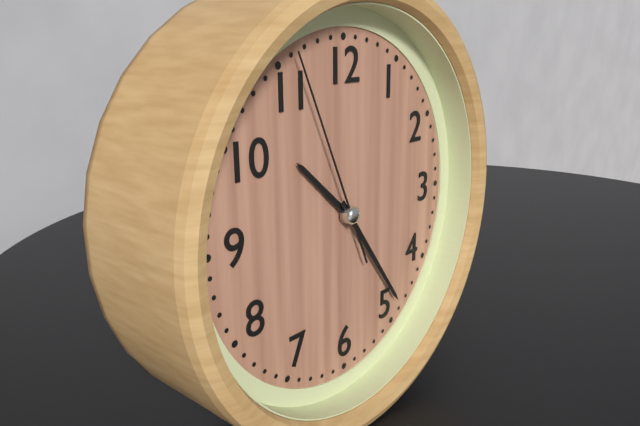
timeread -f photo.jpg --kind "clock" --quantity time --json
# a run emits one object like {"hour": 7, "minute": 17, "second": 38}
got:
{"hour": 10, "minute": 24, "second": 56}
